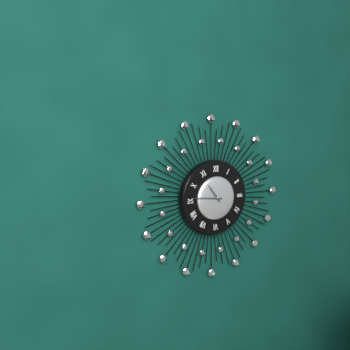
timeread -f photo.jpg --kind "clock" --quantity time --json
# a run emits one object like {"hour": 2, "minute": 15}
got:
{"hour": 10, "minute": 46}
